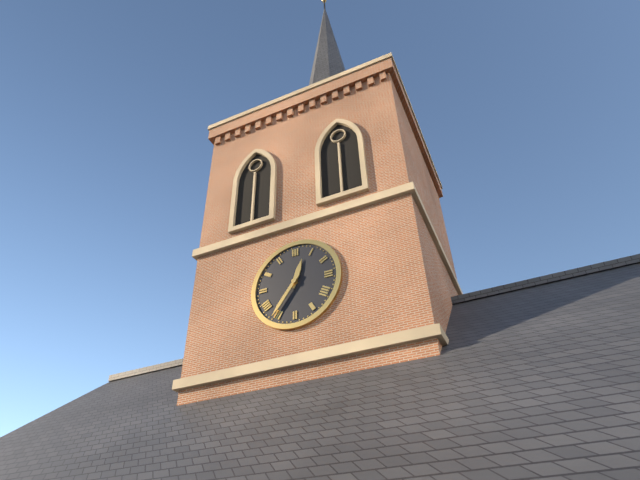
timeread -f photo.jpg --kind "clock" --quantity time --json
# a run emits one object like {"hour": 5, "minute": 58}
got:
{"hour": 12, "minute": 36}
